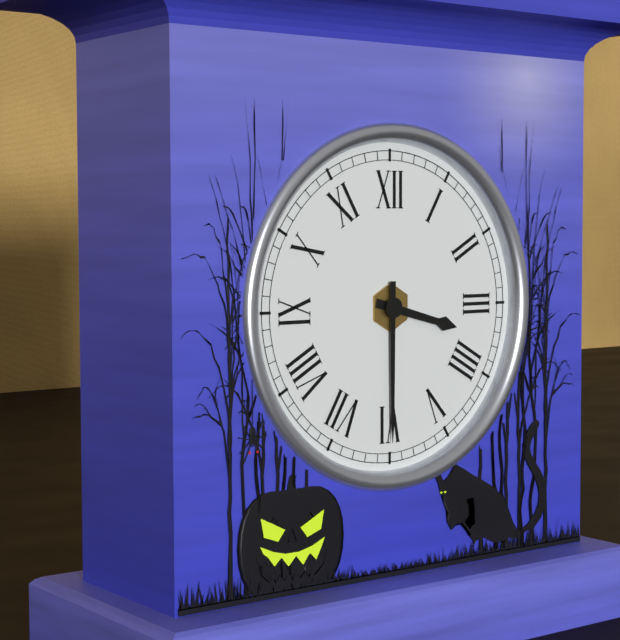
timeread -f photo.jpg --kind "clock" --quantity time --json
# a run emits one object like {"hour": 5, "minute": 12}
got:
{"hour": 3, "minute": 30}
